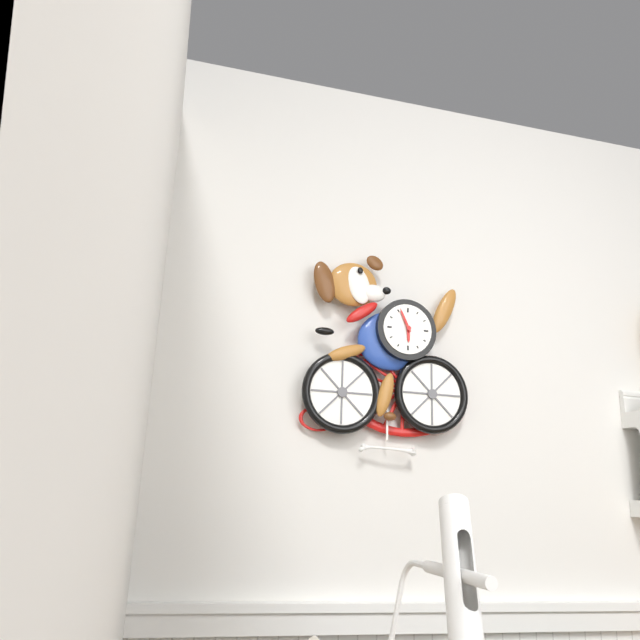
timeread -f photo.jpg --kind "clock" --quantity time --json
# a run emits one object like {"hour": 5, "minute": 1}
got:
{"hour": 5, "minute": 56}
